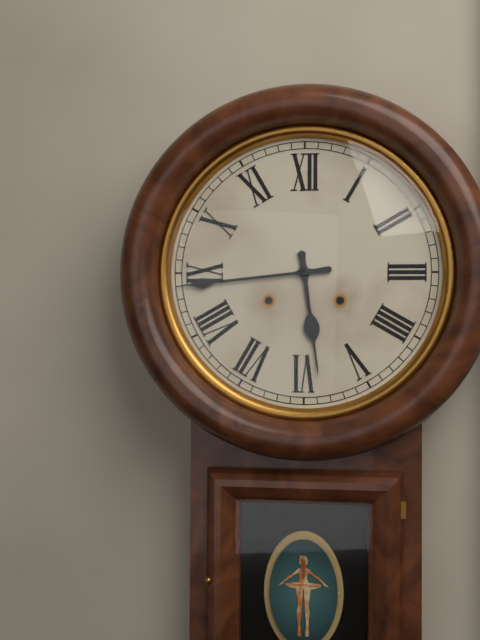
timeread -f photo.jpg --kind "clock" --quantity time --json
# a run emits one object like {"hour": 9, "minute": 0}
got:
{"hour": 5, "minute": 44}
